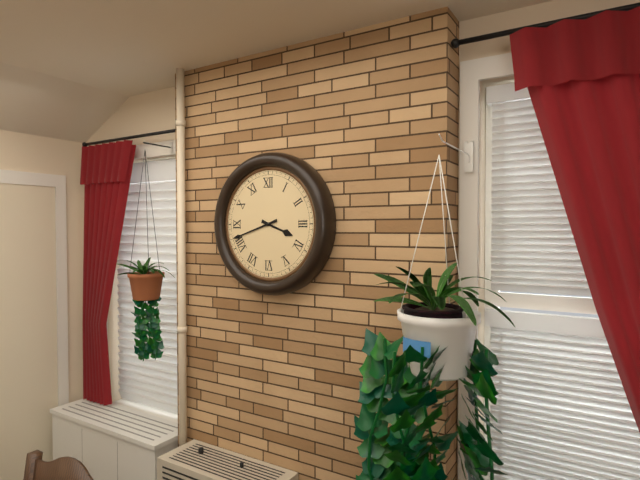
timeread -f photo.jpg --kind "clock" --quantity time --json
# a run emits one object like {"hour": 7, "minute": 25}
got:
{"hour": 3, "minute": 42}
